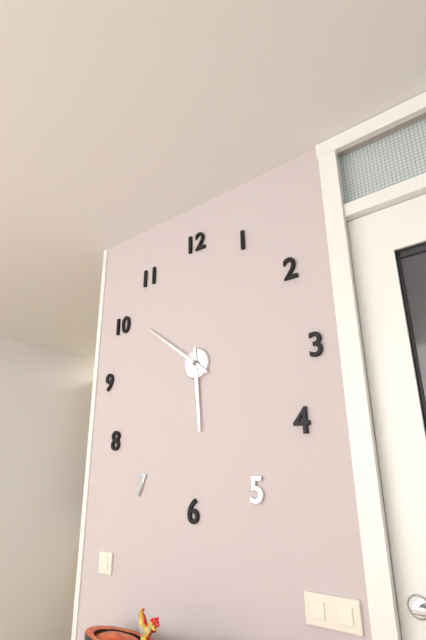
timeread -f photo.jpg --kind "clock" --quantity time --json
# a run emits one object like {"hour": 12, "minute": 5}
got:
{"hour": 5, "minute": 51}
